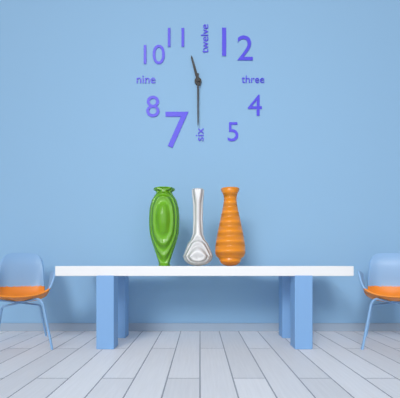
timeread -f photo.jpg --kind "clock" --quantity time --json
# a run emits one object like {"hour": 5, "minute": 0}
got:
{"hour": 11, "minute": 30}
